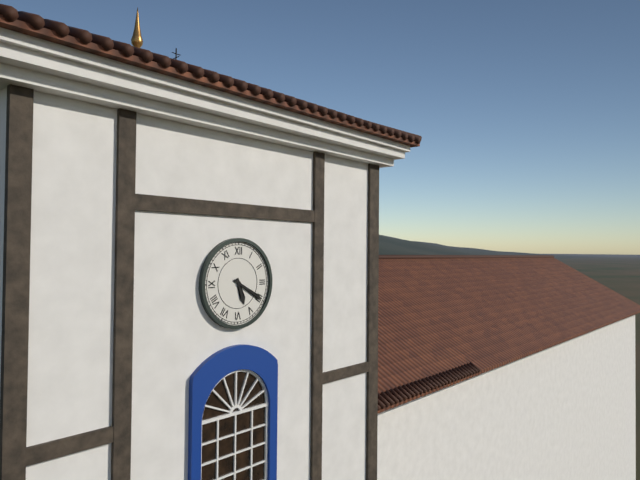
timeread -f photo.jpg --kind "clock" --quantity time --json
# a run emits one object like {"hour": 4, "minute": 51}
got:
{"hour": 5, "minute": 20}
